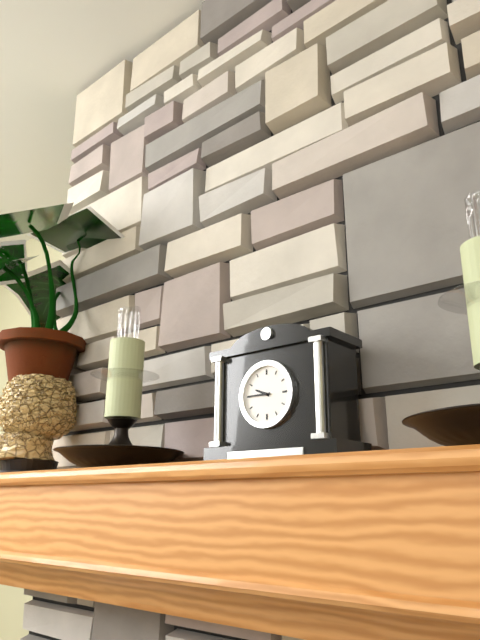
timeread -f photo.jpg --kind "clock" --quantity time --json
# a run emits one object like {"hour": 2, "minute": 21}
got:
{"hour": 9, "minute": 45}
